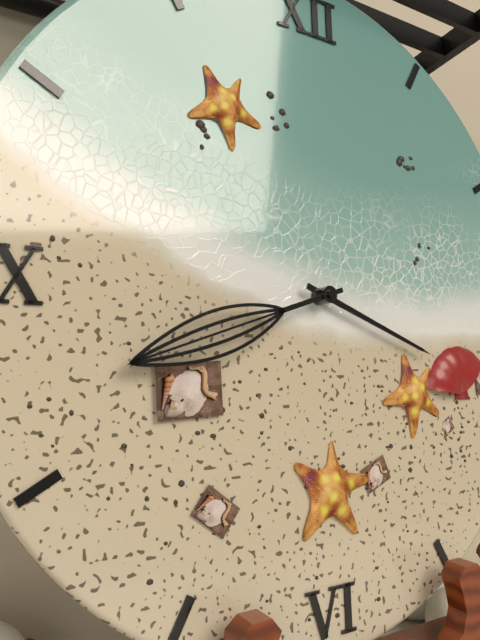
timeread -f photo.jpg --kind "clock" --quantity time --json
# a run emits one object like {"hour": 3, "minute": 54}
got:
{"hour": 3, "minute": 42}
